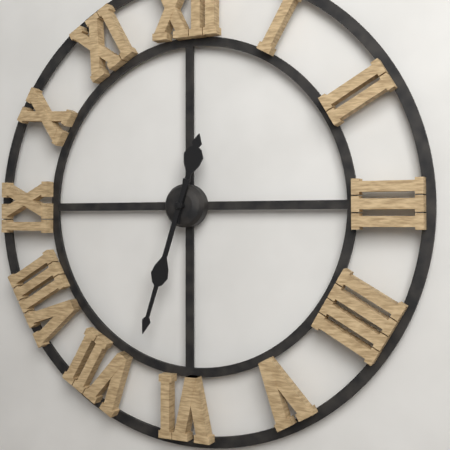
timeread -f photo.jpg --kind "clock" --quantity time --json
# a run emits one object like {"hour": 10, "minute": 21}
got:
{"hour": 12, "minute": 33}
